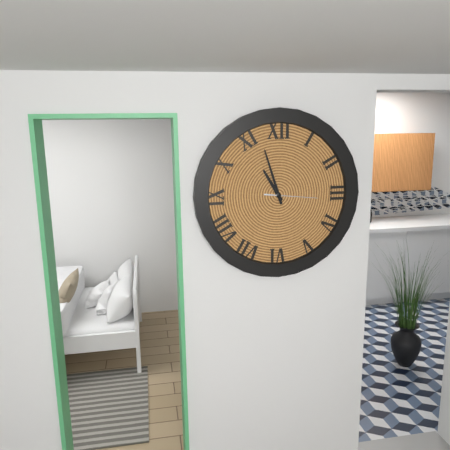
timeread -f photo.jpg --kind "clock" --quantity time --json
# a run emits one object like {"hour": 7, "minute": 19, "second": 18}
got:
{"hour": 10, "minute": 57, "second": 16}
